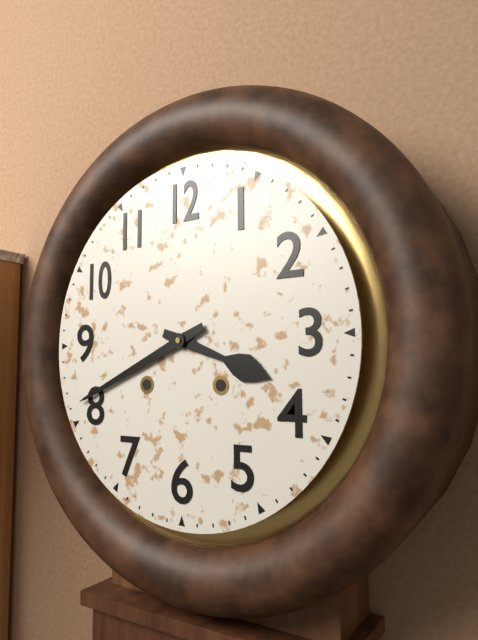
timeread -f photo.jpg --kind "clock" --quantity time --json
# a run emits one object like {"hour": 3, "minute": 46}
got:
{"hour": 3, "minute": 41}
